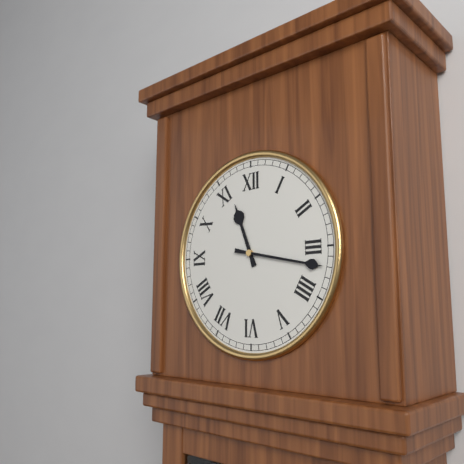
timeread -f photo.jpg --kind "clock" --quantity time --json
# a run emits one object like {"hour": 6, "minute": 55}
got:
{"hour": 11, "minute": 17}
